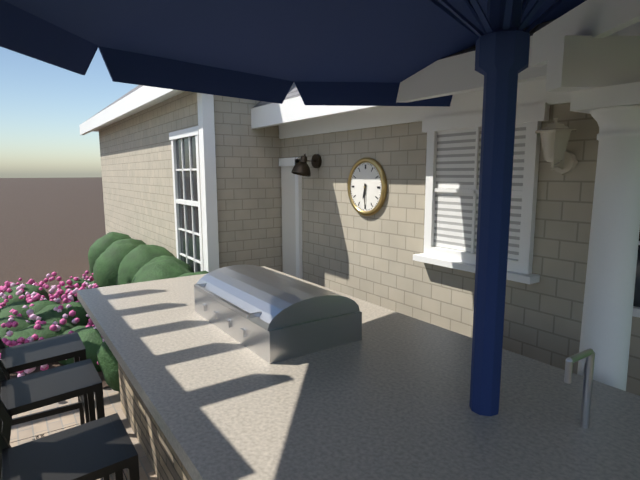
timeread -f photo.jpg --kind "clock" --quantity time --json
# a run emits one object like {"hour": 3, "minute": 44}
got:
{"hour": 6, "minute": 30}
